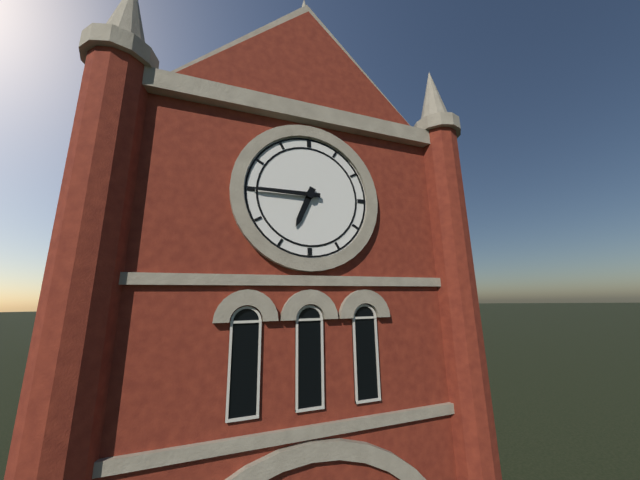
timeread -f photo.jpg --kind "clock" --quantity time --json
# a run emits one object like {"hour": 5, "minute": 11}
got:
{"hour": 6, "minute": 45}
